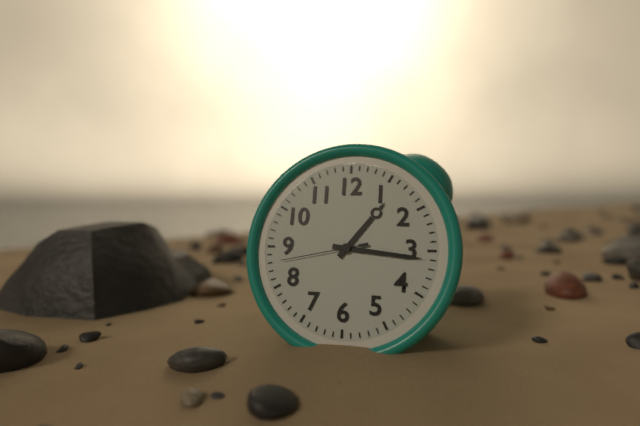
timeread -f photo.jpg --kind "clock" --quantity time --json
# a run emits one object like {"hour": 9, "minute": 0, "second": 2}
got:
{"hour": 1, "minute": 16, "second": 43}
